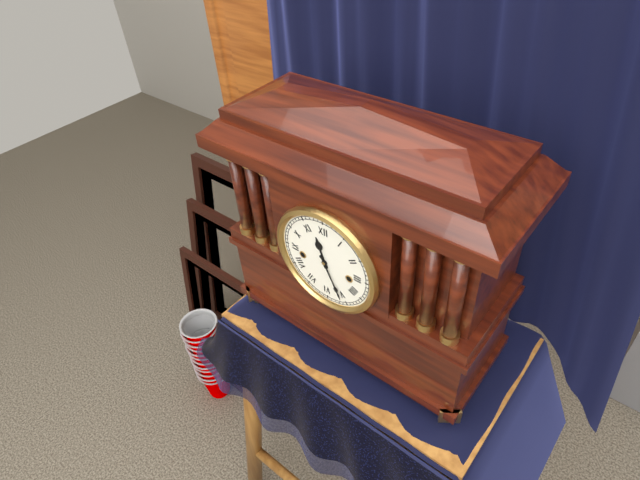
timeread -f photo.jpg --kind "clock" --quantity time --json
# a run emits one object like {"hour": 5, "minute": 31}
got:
{"hour": 11, "minute": 26}
